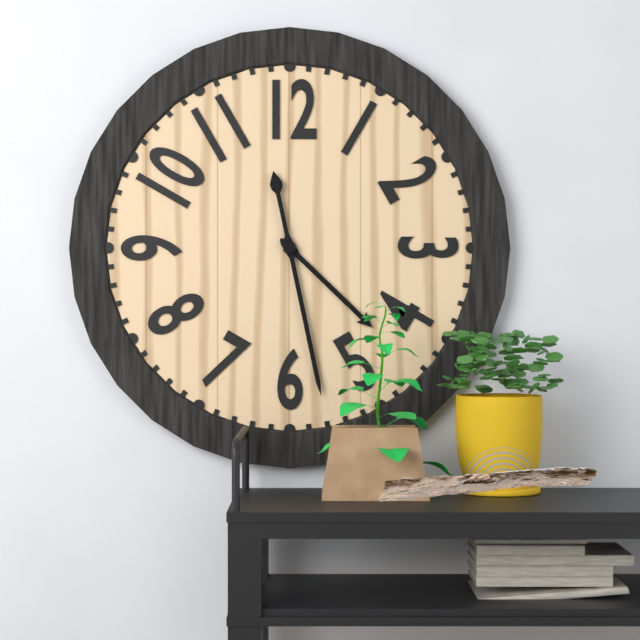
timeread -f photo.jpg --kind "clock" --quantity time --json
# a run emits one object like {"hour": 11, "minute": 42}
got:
{"hour": 4, "minute": 28}
